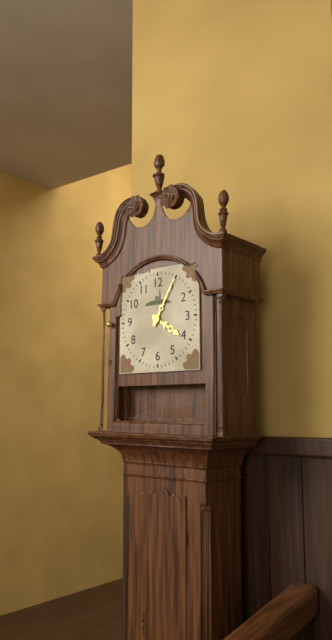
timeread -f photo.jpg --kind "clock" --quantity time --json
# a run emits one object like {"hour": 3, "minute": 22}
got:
{"hour": 4, "minute": 5}
